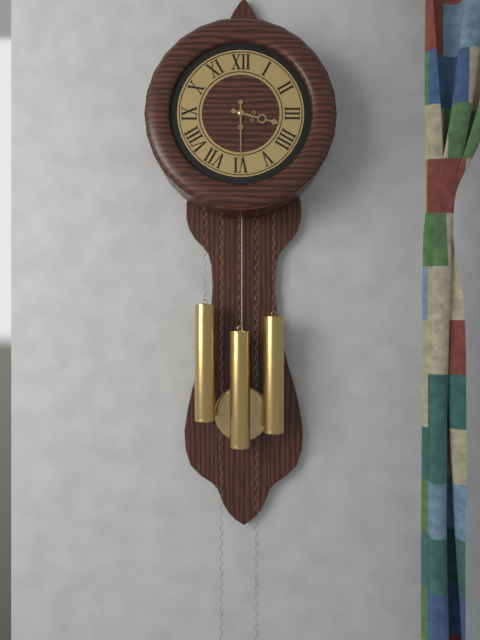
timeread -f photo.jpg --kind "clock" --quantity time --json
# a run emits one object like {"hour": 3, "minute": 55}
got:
{"hour": 3, "minute": 30}
